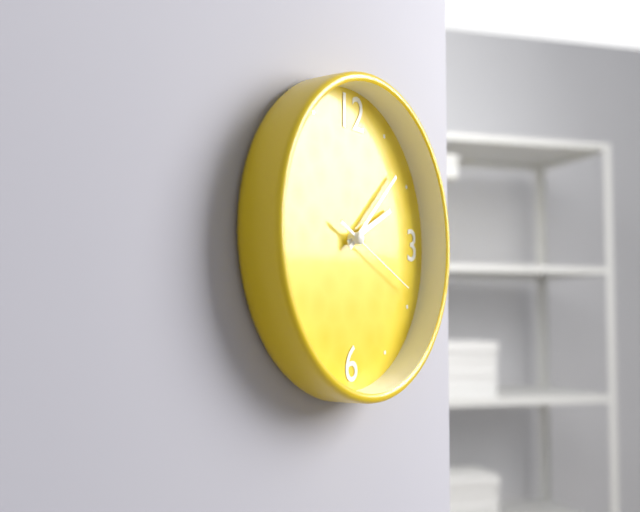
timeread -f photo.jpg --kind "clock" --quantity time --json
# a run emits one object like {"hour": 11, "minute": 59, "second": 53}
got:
{"hour": 2, "minute": 8, "second": 19}
